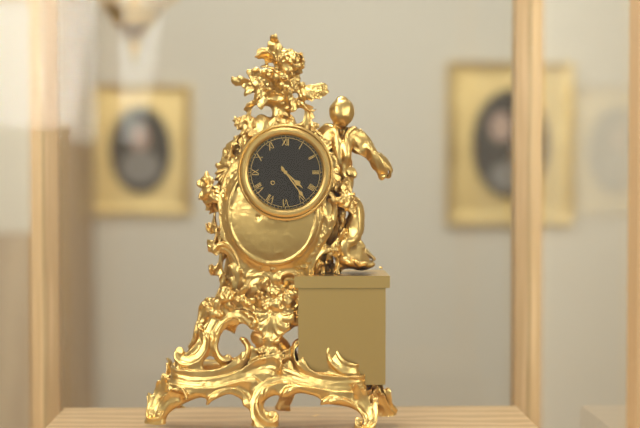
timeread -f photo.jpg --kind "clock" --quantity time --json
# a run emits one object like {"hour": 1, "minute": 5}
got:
{"hour": 4, "minute": 24}
